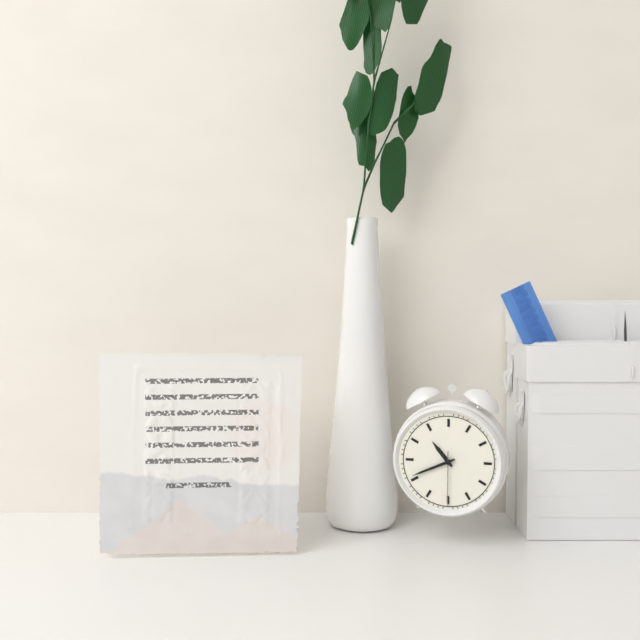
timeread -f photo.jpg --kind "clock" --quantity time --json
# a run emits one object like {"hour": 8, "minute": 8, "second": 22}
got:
{"hour": 10, "minute": 41, "second": 30}
